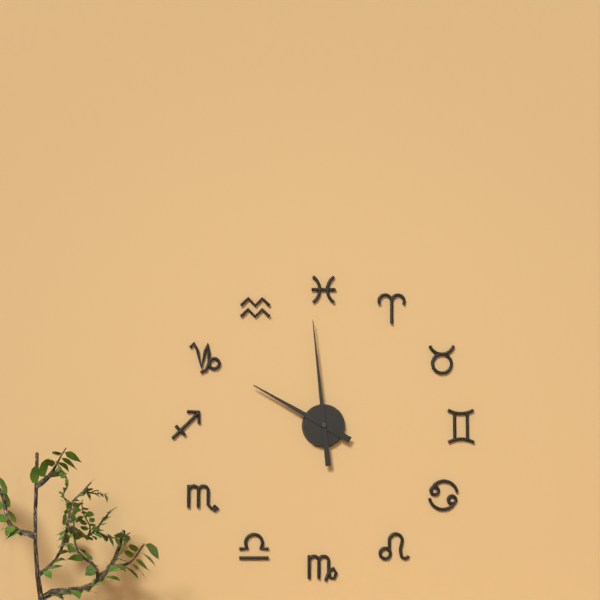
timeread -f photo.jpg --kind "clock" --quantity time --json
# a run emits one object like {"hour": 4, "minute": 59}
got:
{"hour": 9, "minute": 59}
